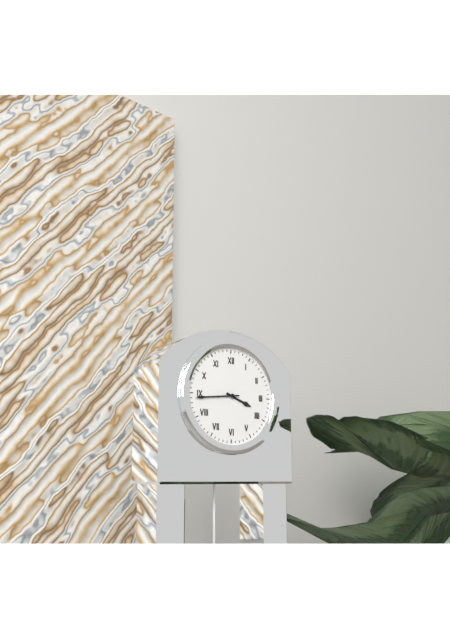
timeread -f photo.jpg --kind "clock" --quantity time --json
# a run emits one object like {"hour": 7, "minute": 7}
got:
{"hour": 3, "minute": 44}
